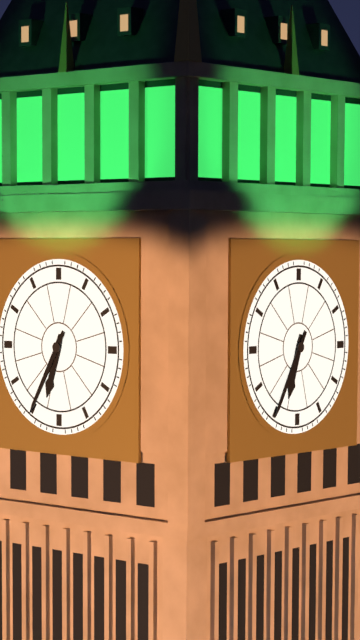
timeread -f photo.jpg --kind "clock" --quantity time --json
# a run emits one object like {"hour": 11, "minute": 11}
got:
{"hour": 6, "minute": 35}
